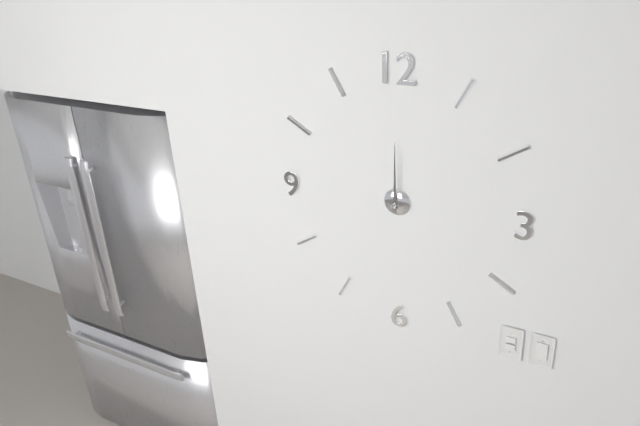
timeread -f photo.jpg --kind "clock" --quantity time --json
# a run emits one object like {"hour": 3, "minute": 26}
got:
{"hour": 12, "minute": 0}
